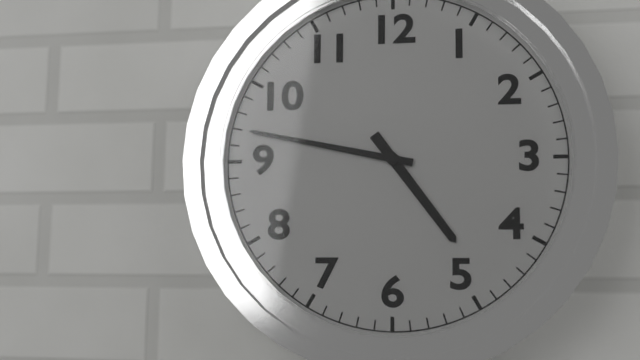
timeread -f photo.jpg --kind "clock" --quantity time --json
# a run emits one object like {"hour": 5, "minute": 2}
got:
{"hour": 4, "minute": 47}
